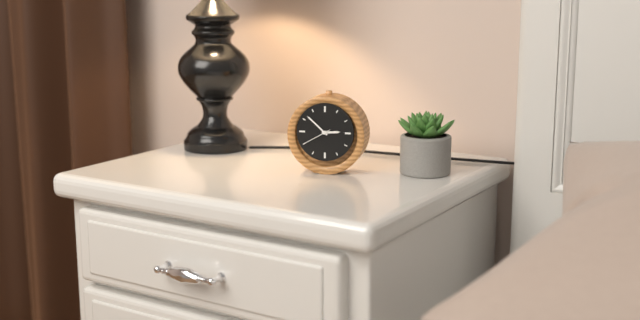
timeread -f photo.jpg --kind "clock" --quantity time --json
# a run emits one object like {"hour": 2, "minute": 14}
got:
{"hour": 2, "minute": 52}
